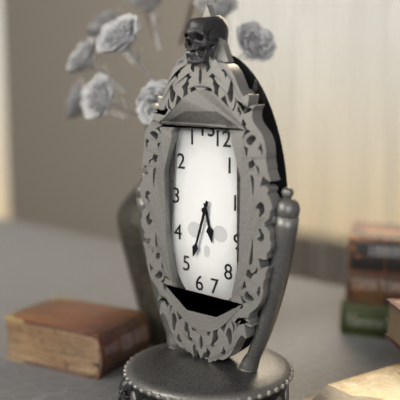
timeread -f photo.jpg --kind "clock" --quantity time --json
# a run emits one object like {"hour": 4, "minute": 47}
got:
{"hour": 5, "minute": 33}
